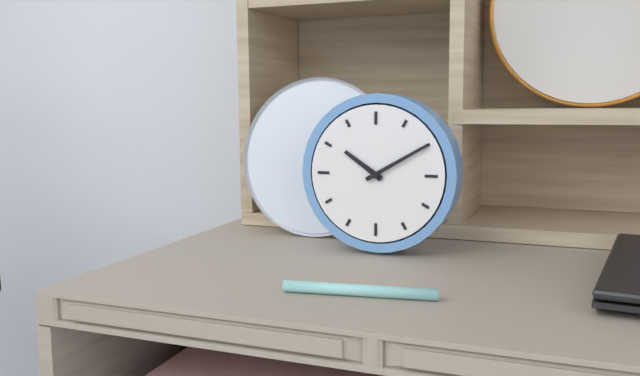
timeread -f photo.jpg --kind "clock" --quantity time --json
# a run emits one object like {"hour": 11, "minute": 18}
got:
{"hour": 10, "minute": 10}
